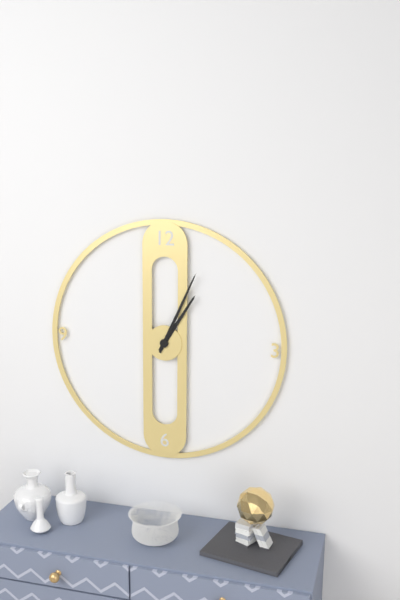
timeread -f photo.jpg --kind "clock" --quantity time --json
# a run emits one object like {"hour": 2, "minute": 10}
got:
{"hour": 1, "minute": 4}
